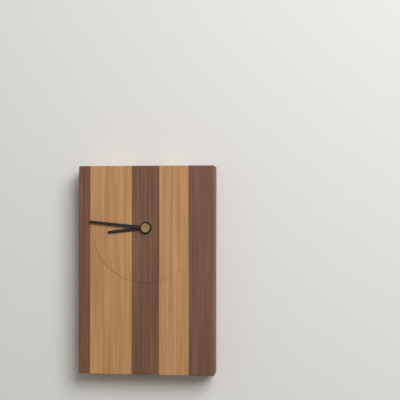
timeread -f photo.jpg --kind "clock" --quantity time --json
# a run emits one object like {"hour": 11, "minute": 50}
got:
{"hour": 8, "minute": 46}
